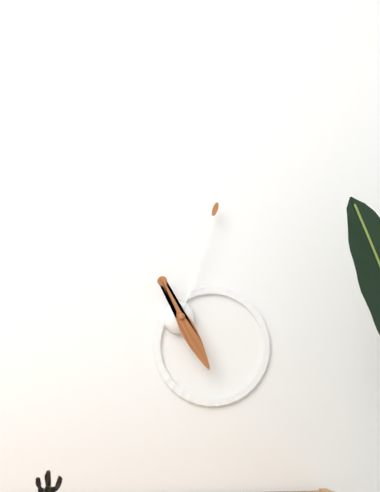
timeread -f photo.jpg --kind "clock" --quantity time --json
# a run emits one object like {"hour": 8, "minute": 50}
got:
{"hour": 5, "minute": 3}
